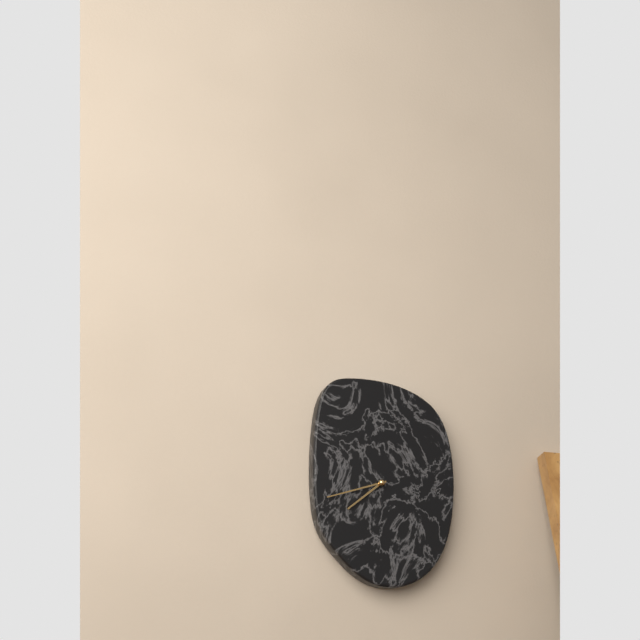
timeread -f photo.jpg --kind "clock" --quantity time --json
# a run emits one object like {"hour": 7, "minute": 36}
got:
{"hour": 7, "minute": 42}
